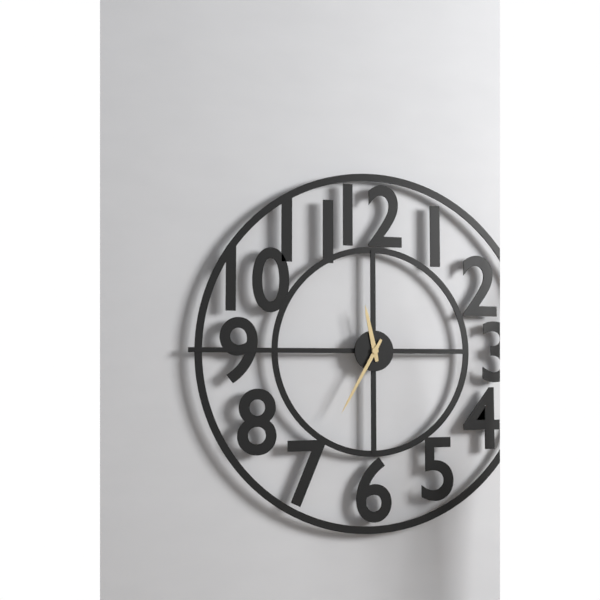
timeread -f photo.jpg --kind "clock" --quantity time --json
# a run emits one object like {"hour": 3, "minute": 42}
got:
{"hour": 11, "minute": 35}
